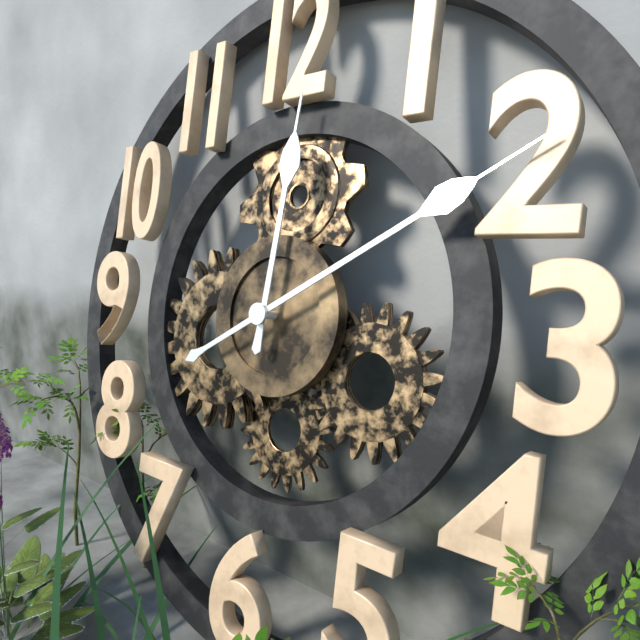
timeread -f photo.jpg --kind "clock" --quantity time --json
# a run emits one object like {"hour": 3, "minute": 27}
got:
{"hour": 12, "minute": 10}
